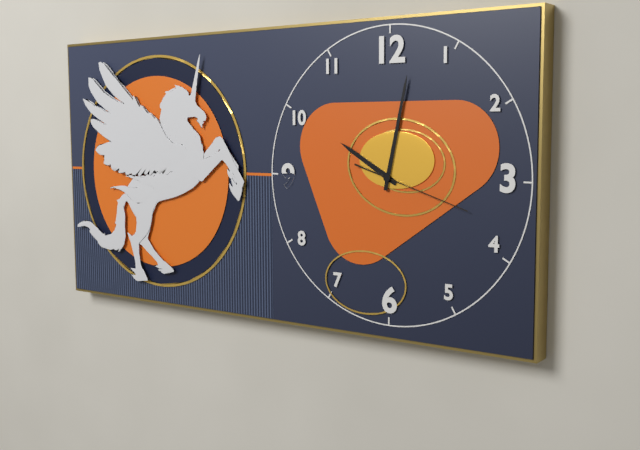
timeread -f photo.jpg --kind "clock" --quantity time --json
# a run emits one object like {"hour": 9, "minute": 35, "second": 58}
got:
{"hour": 10, "minute": 2, "second": 18}
